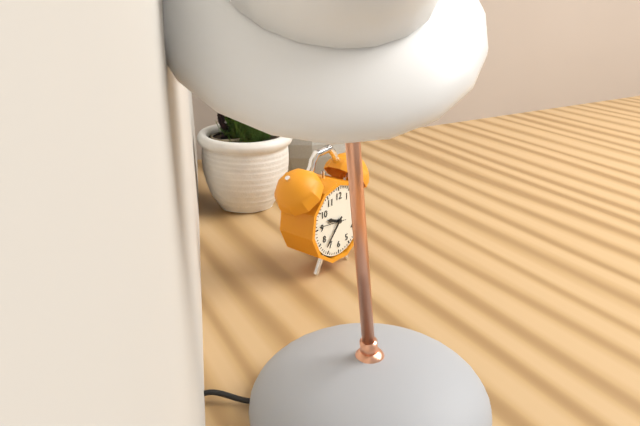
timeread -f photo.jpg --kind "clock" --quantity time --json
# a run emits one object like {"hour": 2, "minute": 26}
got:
{"hour": 9, "minute": 37}
